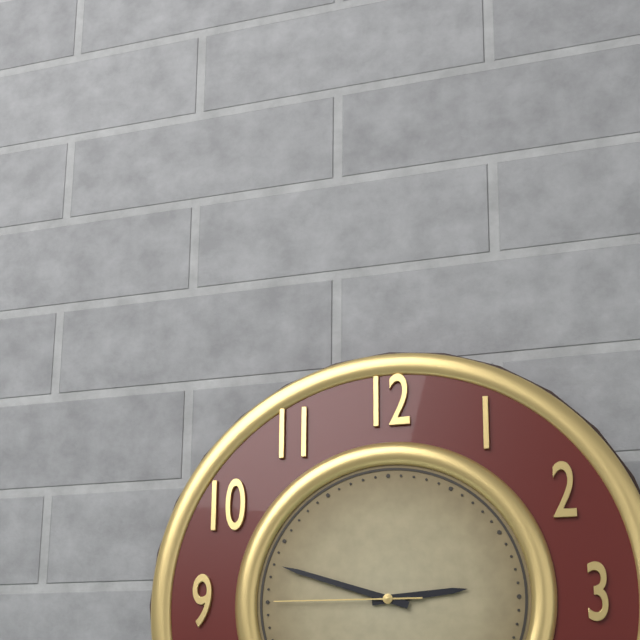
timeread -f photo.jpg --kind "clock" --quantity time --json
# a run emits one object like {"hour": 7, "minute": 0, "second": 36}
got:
{"hour": 2, "minute": 48, "second": 45}
